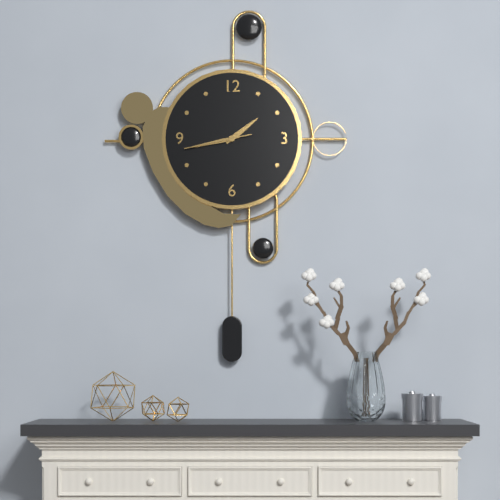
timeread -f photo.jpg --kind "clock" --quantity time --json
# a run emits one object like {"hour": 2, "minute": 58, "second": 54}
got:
{"hour": 1, "minute": 43, "second": 43}
